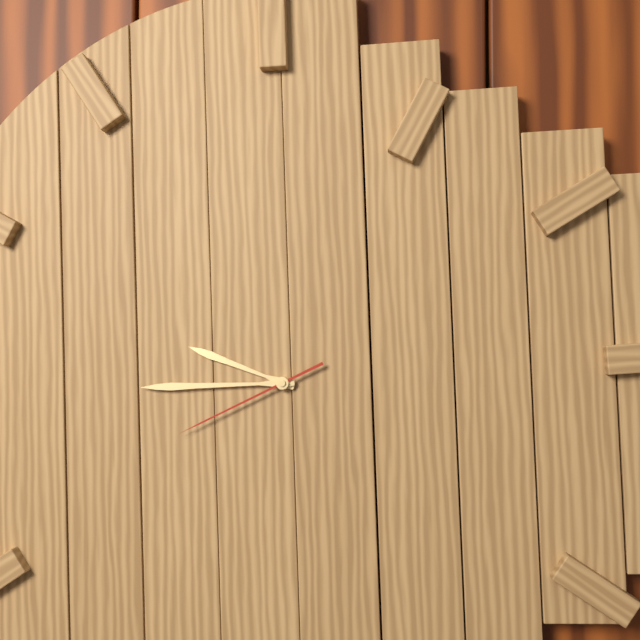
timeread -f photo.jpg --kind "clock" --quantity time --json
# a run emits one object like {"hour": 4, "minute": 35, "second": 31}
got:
{"hour": 9, "minute": 45, "second": 41}
